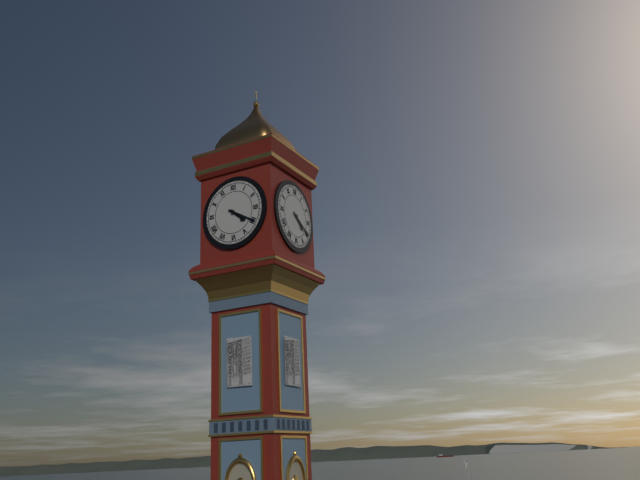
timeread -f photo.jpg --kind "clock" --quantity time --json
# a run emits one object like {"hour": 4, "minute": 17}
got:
{"hour": 4, "minute": 20}
